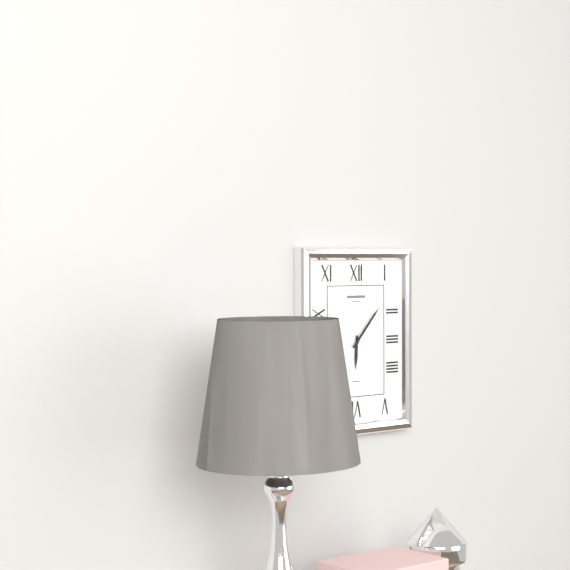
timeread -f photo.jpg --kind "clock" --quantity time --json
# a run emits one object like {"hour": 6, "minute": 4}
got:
{"hour": 6, "minute": 7}
